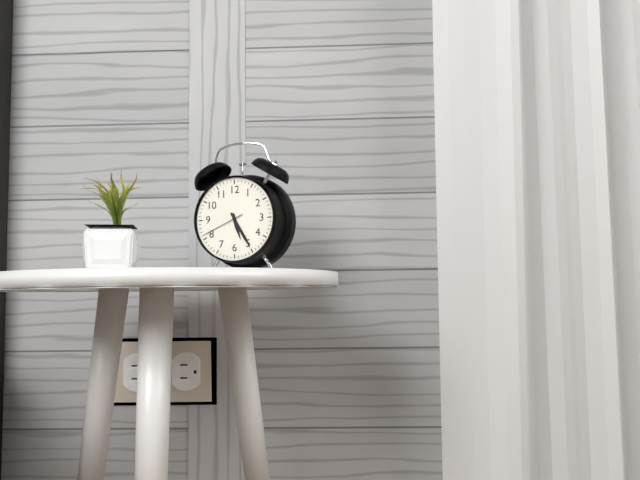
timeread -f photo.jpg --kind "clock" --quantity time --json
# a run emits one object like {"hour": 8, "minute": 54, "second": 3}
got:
{"hour": 5, "minute": 25, "second": 41}
